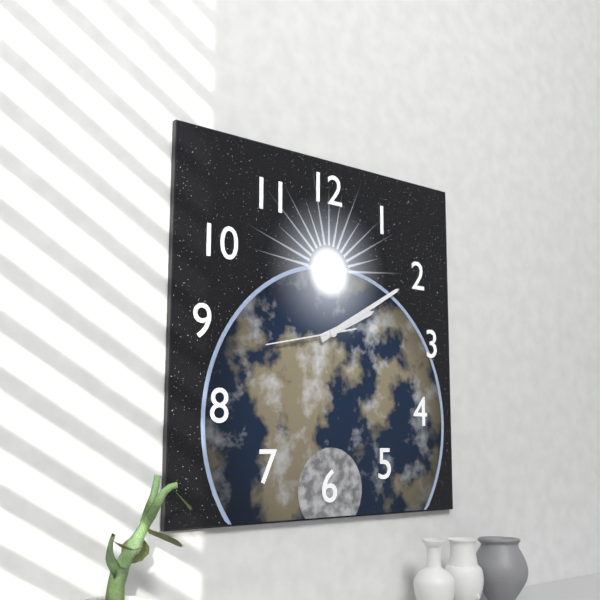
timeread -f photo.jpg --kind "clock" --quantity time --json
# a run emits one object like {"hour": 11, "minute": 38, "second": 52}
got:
{"hour": 2, "minute": 10, "second": 43}
